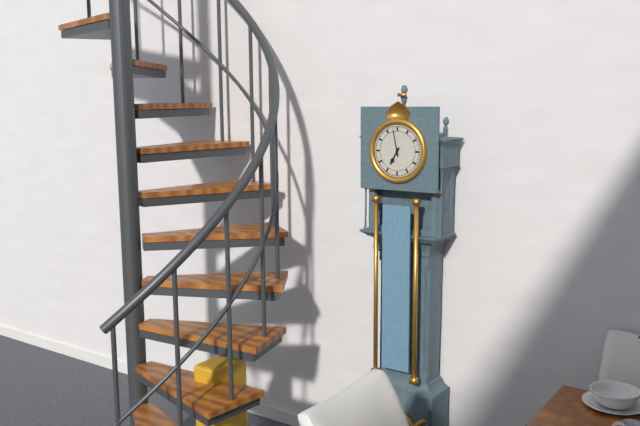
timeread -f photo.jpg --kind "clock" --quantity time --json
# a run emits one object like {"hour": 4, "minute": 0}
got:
{"hour": 6, "minute": 58}
